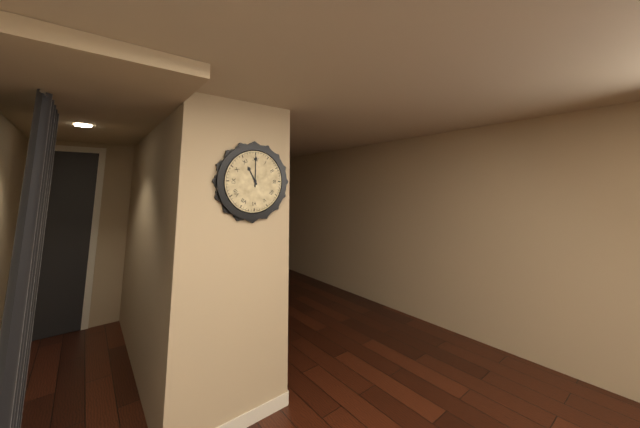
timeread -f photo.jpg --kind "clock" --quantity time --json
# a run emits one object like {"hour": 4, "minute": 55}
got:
{"hour": 11, "minute": 0}
